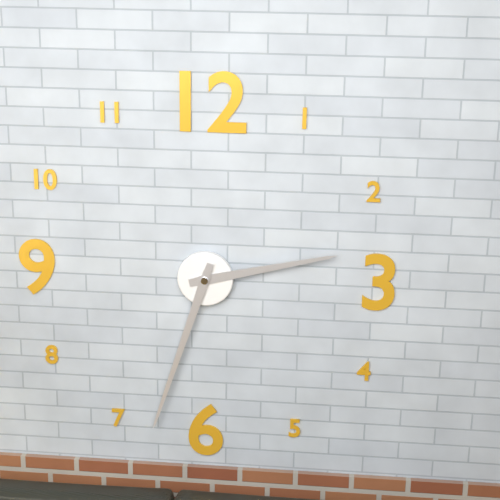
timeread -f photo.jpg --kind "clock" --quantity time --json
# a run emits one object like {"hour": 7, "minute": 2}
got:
{"hour": 2, "minute": 33}
